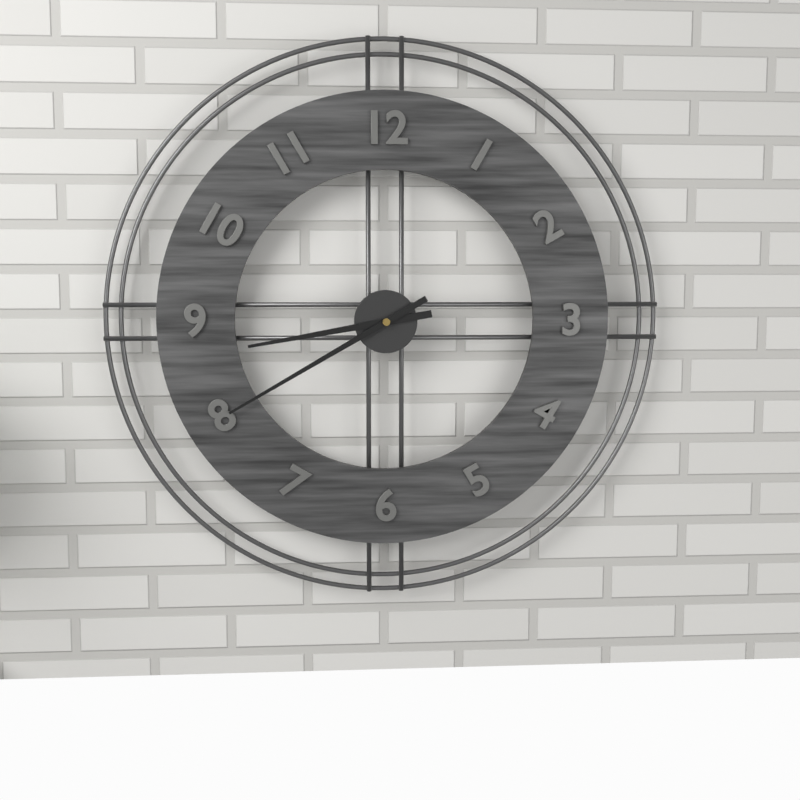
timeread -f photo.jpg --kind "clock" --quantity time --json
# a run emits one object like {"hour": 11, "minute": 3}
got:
{"hour": 8, "minute": 40}
